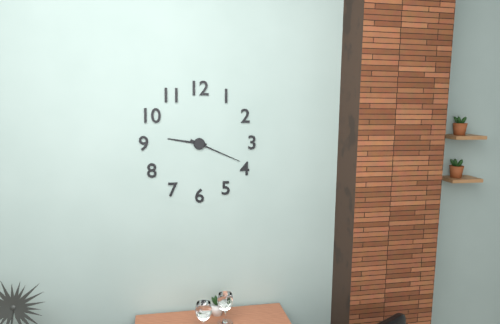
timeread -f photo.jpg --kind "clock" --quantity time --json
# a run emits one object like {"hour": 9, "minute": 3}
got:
{"hour": 9, "minute": 19}
